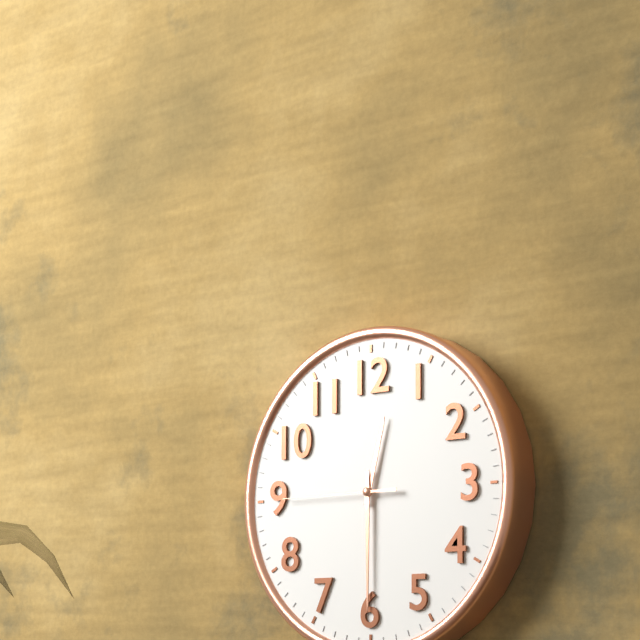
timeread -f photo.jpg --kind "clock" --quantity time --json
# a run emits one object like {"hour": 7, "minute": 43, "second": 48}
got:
{"hour": 12, "minute": 30, "second": 45}
